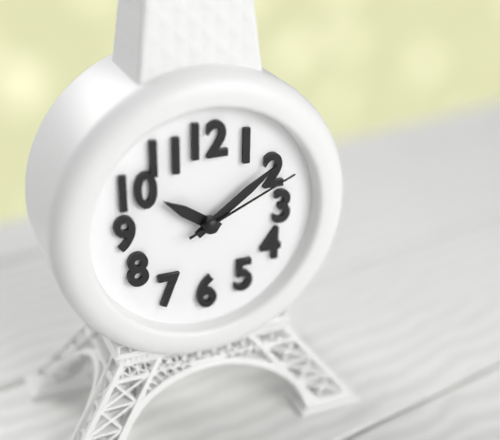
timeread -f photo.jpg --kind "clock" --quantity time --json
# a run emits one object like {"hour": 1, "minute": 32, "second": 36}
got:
{"hour": 10, "minute": 9, "second": 11}
